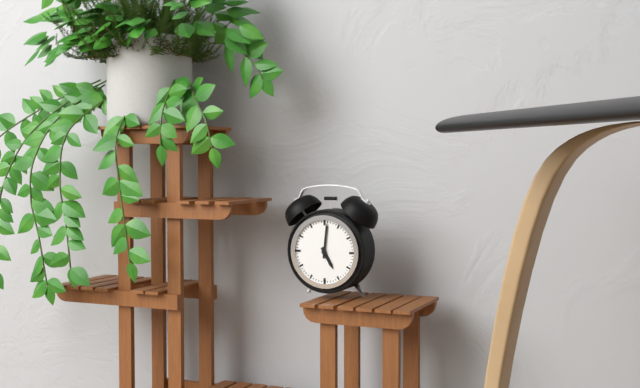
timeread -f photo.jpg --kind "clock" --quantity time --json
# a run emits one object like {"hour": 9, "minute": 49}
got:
{"hour": 5, "minute": 1}
